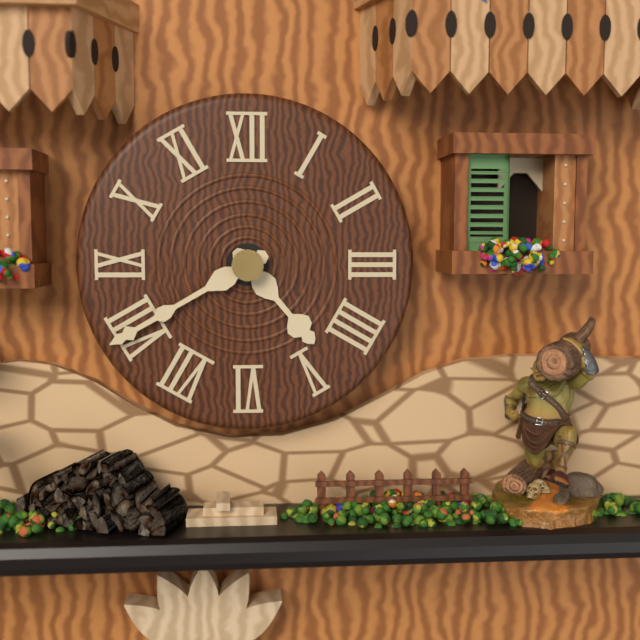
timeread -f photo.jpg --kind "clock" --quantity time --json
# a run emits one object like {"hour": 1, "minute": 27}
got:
{"hour": 4, "minute": 40}
